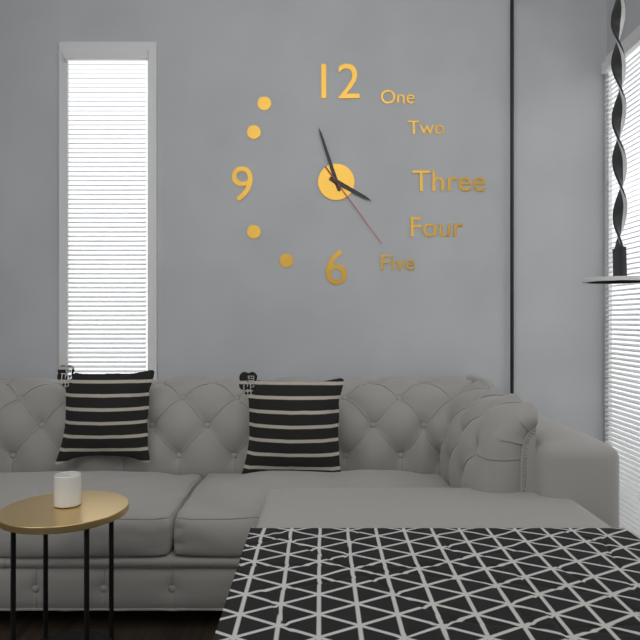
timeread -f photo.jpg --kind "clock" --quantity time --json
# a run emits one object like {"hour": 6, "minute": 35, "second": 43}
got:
{"hour": 3, "minute": 57, "second": 24}
